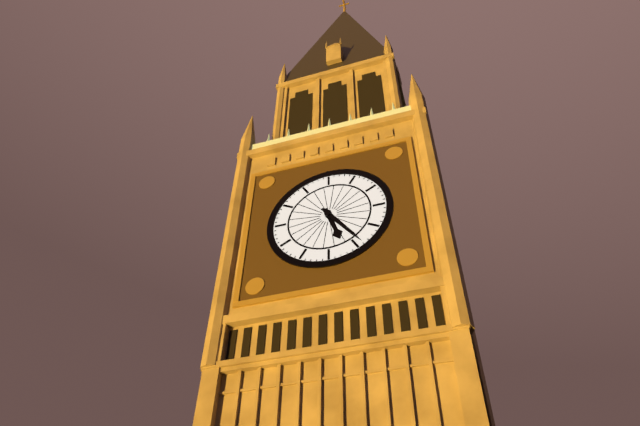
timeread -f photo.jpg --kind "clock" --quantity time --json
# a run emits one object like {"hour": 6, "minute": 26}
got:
{"hour": 5, "minute": 24}
